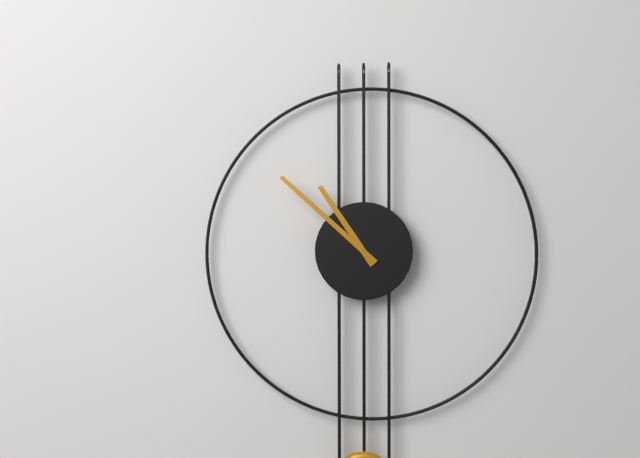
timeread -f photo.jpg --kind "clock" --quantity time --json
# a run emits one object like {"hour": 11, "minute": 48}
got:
{"hour": 10, "minute": 52}
